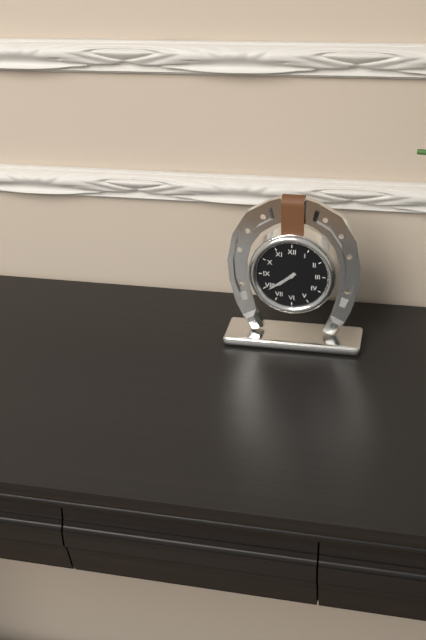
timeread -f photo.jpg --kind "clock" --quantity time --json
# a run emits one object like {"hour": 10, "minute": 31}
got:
{"hour": 7, "minute": 39}
